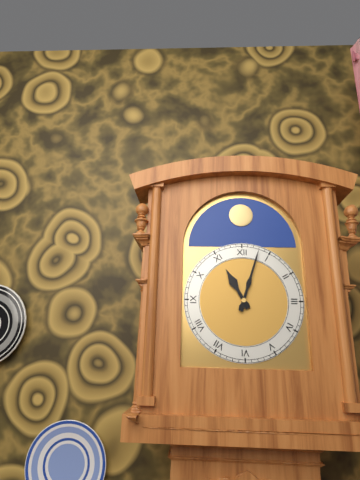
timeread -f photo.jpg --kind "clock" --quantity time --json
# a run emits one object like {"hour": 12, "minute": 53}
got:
{"hour": 11, "minute": 3}
